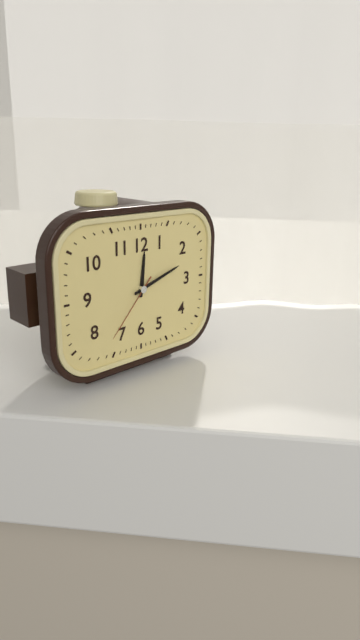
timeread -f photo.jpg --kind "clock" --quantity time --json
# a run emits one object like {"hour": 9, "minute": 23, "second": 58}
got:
{"hour": 12, "minute": 12, "second": 37}
